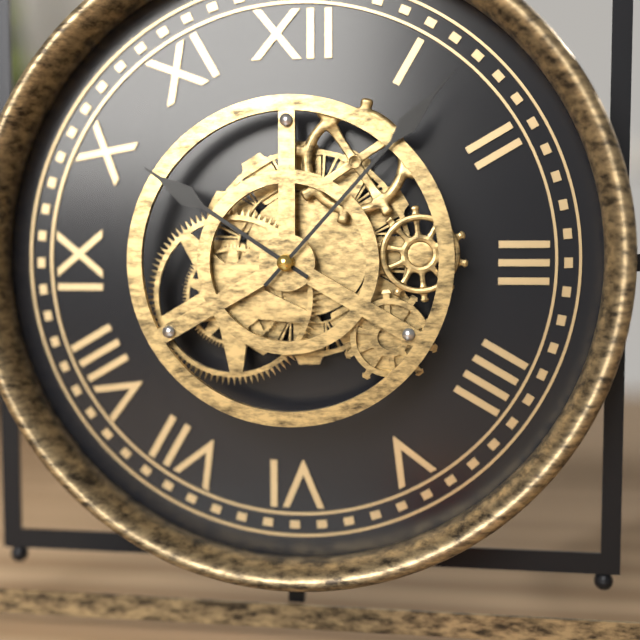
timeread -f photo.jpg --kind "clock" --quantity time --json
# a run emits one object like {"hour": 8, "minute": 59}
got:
{"hour": 10, "minute": 7}
